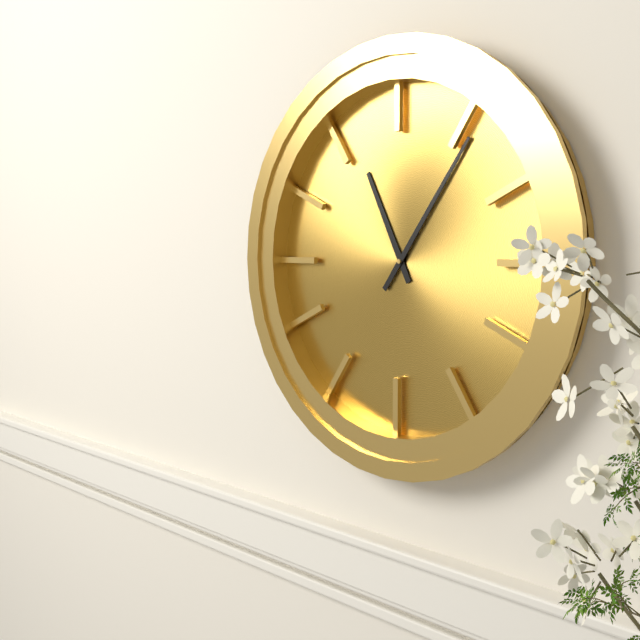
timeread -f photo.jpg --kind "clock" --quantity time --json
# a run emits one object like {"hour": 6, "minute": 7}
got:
{"hour": 11, "minute": 6}
